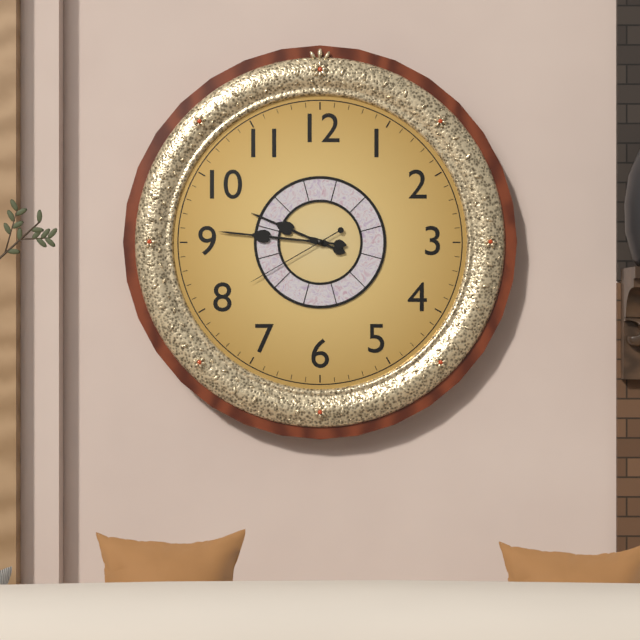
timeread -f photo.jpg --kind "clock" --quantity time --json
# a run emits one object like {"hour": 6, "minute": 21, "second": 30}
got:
{"hour": 9, "minute": 46, "second": 40}
